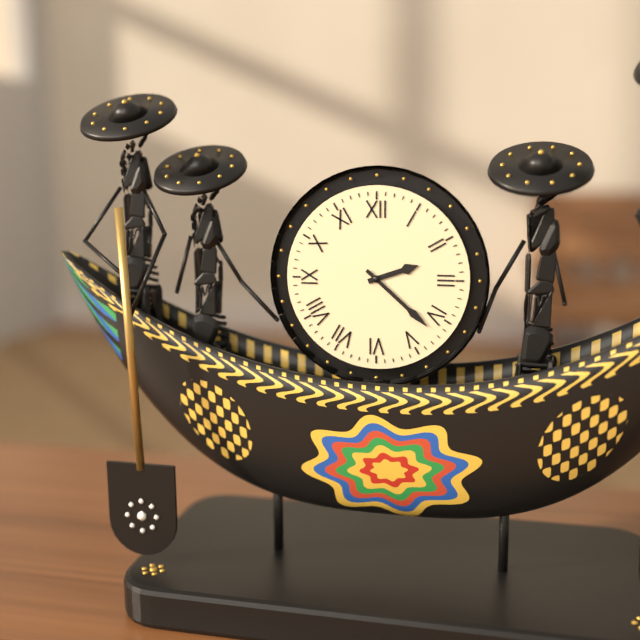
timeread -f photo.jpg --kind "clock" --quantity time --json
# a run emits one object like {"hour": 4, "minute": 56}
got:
{"hour": 2, "minute": 22}
